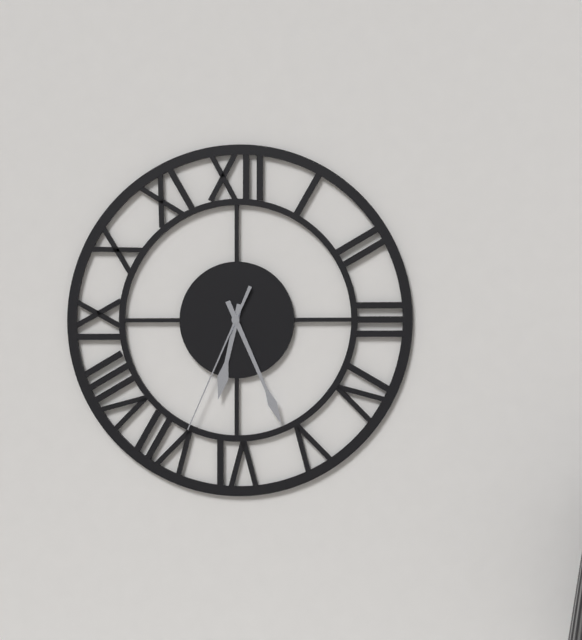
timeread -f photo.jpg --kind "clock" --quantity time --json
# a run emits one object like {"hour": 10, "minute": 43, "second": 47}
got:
{"hour": 6, "minute": 26, "second": 34}
